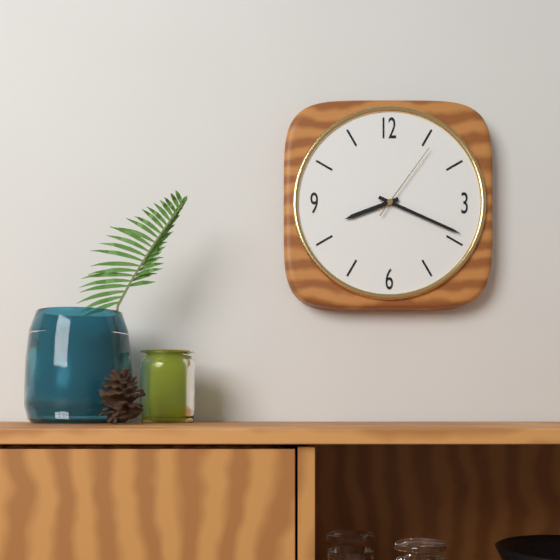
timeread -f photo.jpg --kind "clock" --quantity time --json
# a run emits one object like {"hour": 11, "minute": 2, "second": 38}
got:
{"hour": 8, "minute": 19, "second": 6}
